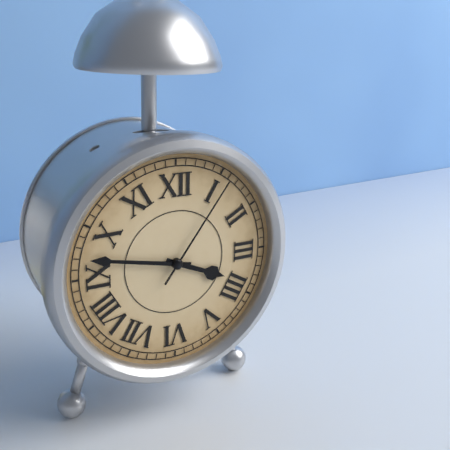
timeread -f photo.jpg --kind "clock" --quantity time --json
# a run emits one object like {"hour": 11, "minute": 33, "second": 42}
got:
{"hour": 3, "minute": 47, "second": 6}
